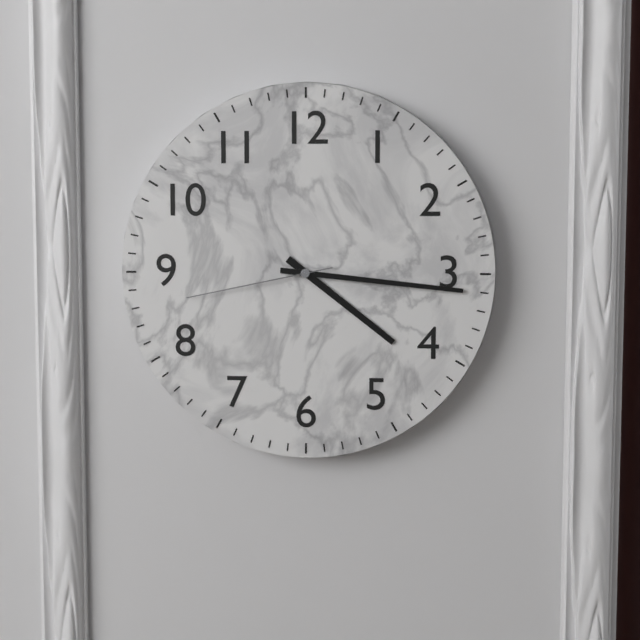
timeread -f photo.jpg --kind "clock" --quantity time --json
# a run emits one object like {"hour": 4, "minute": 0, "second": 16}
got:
{"hour": 4, "minute": 16, "second": 43}
